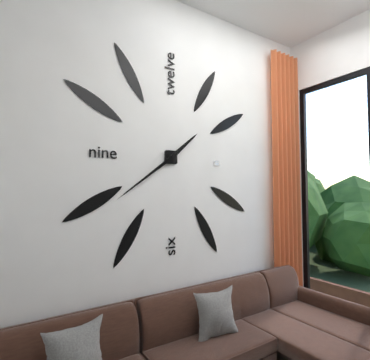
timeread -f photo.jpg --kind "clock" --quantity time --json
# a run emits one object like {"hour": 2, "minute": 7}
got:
{"hour": 1, "minute": 39}
